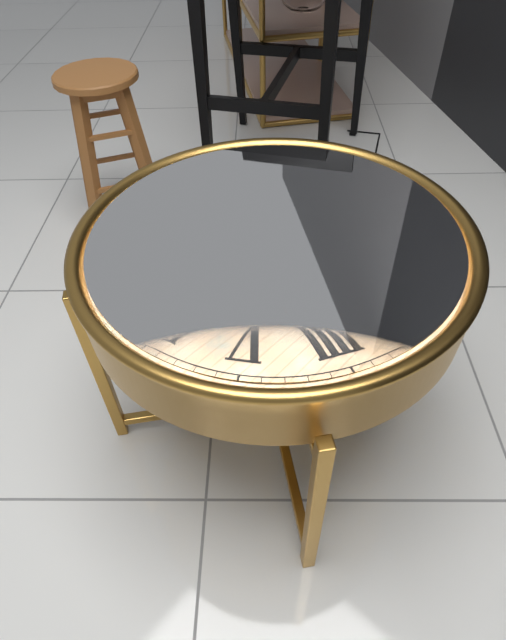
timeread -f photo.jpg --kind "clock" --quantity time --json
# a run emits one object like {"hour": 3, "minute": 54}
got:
{"hour": 3, "minute": 3}
